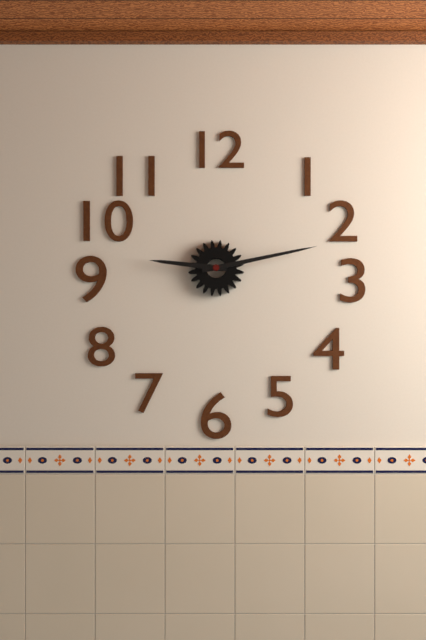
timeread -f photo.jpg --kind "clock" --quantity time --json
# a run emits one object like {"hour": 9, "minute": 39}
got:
{"hour": 9, "minute": 13}
